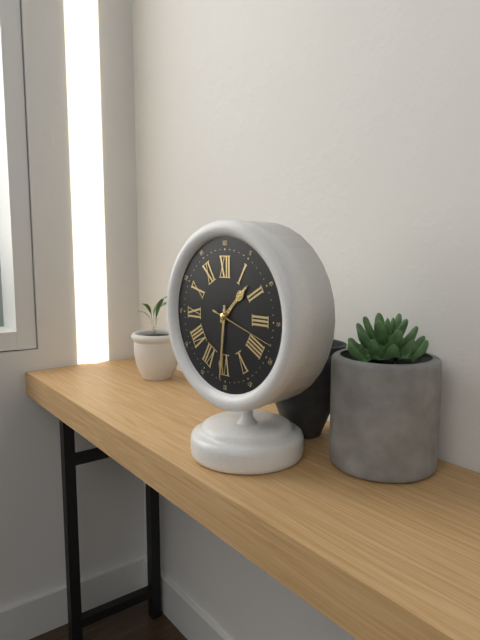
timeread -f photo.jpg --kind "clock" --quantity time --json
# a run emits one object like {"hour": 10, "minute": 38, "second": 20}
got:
{"hour": 1, "minute": 31, "second": 18}
